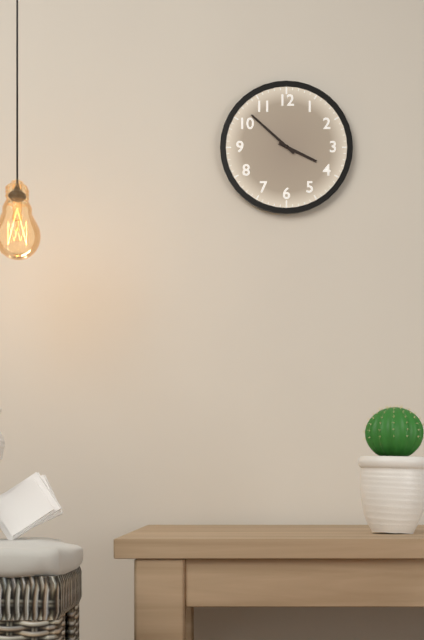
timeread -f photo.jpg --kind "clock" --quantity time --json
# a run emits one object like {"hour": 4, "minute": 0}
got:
{"hour": 3, "minute": 52}
